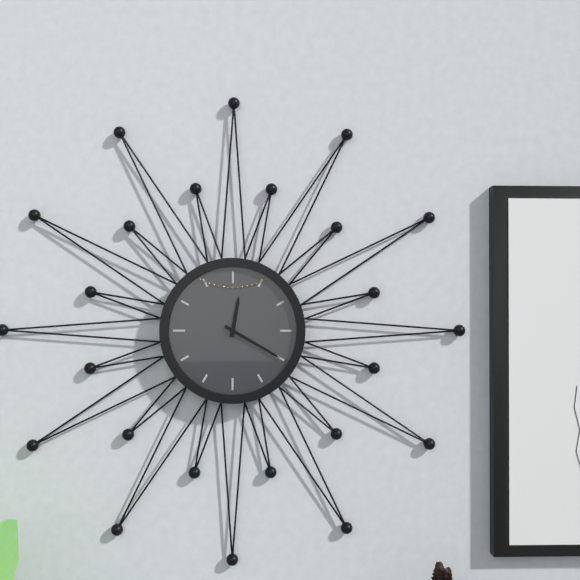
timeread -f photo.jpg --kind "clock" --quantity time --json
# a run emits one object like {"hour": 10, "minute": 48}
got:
{"hour": 12, "minute": 20}
